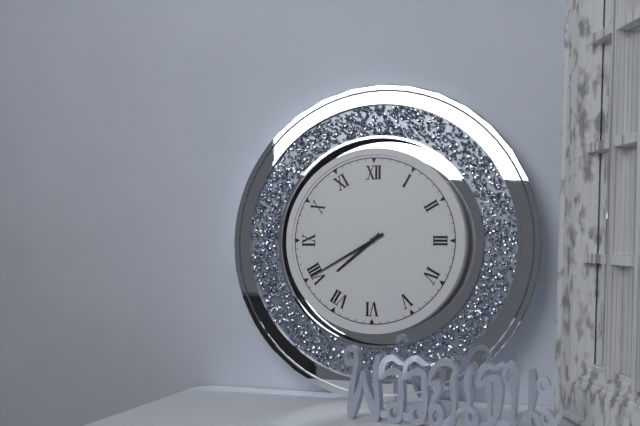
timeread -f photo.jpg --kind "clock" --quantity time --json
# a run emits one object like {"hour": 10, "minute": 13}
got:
{"hour": 7, "minute": 40}
